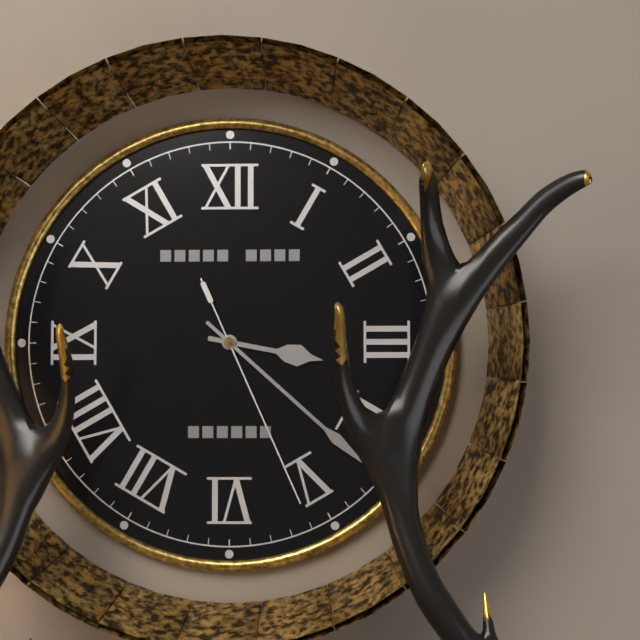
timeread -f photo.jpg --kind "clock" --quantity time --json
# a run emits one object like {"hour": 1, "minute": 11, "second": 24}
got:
{"hour": 3, "minute": 22, "second": 26}
